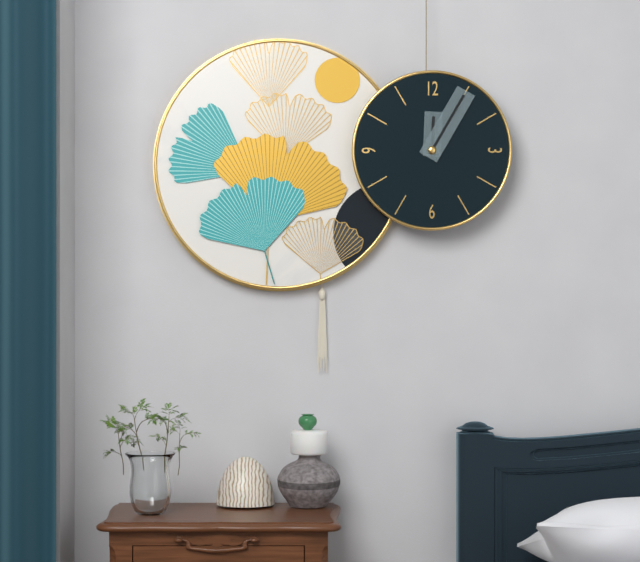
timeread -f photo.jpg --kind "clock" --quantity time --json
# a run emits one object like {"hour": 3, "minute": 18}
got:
{"hour": 12, "minute": 5}
